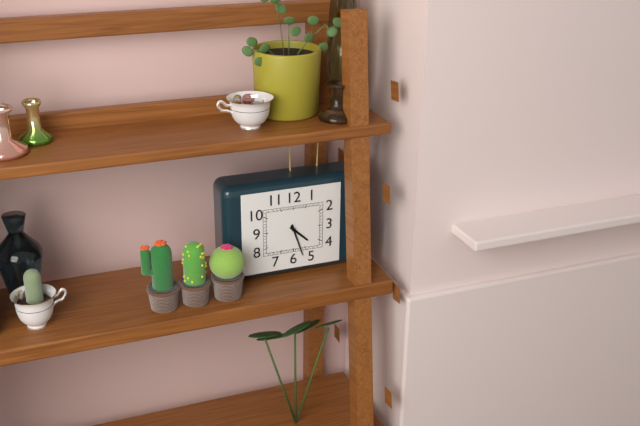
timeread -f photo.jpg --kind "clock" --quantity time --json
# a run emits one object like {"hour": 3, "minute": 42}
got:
{"hour": 4, "minute": 27}
